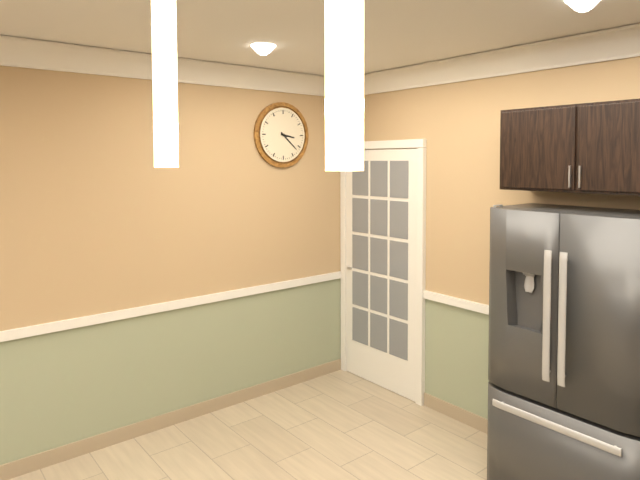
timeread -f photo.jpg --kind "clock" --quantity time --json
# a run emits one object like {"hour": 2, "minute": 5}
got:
{"hour": 3, "minute": 22}
